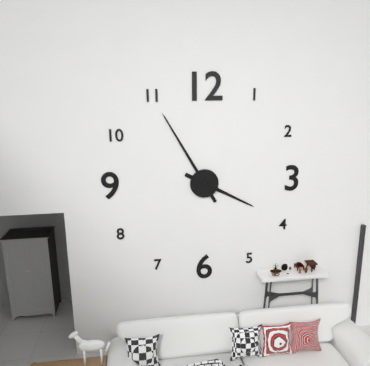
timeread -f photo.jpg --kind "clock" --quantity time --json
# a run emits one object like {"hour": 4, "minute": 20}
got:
{"hour": 3, "minute": 55}
